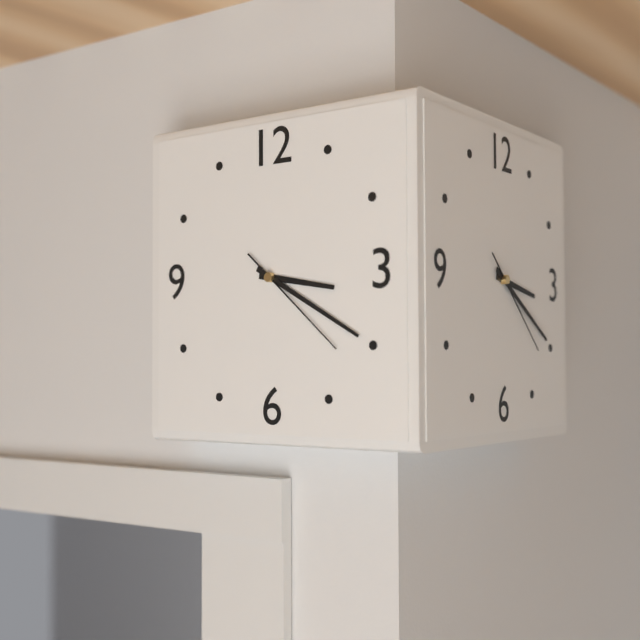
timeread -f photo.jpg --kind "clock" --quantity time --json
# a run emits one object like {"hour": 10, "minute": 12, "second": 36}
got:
{"hour": 3, "minute": 20, "second": 22}
